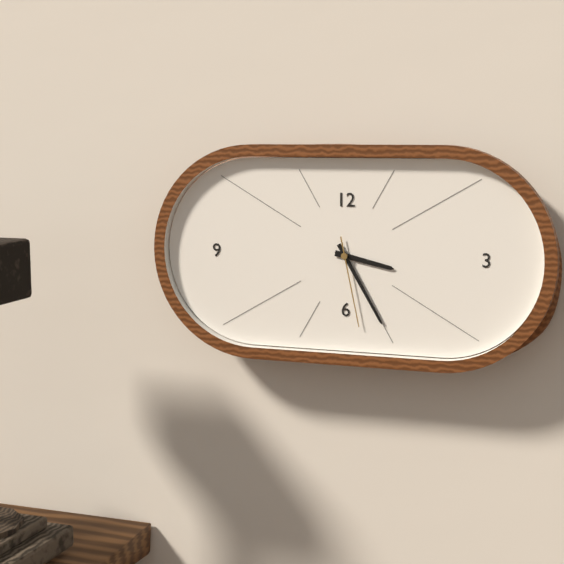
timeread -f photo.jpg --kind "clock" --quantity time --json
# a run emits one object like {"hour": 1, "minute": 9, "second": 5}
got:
{"hour": 3, "minute": 25, "second": 28}
